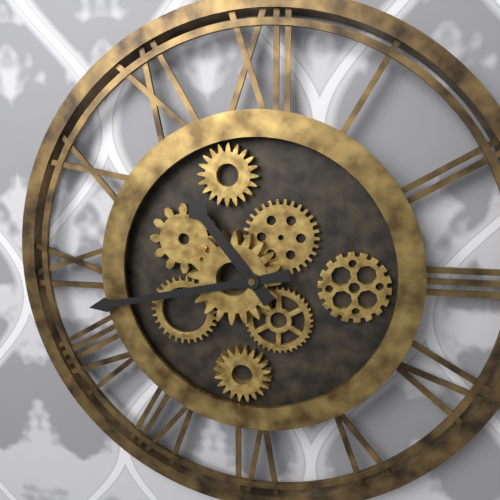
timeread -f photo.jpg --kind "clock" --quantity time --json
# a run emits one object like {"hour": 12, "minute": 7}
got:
{"hour": 10, "minute": 43}
